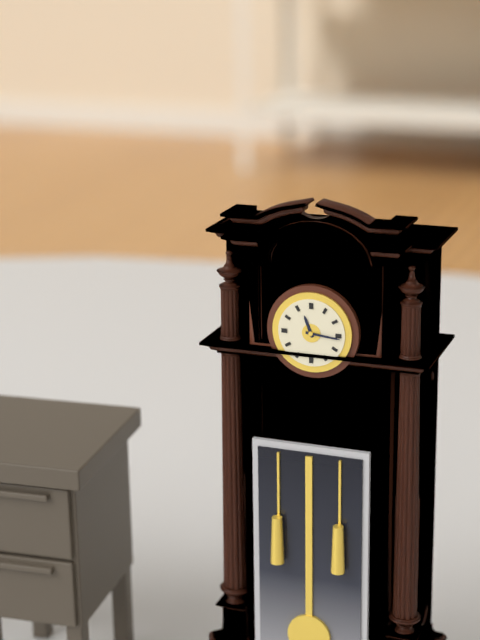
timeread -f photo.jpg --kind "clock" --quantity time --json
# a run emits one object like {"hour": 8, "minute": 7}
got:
{"hour": 11, "minute": 16}
